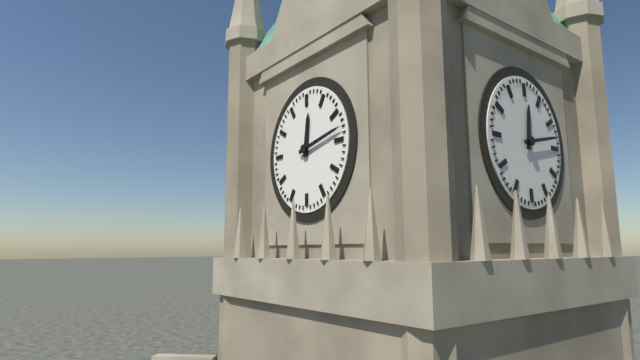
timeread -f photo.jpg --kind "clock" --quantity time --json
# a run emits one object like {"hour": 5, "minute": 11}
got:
{"hour": 12, "minute": 13}
